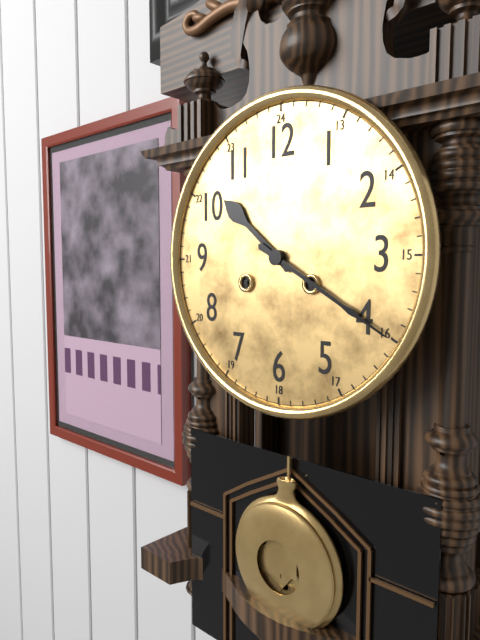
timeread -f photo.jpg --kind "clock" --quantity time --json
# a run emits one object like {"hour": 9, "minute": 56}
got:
{"hour": 10, "minute": 20}
